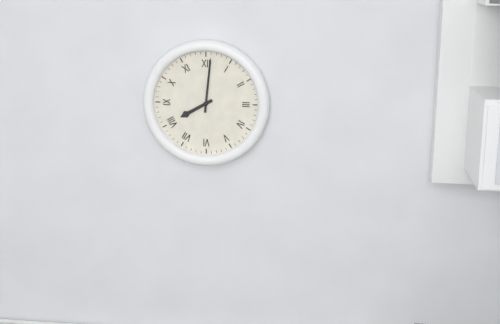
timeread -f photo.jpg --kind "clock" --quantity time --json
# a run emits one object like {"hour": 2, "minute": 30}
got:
{"hour": 8, "minute": 1}
